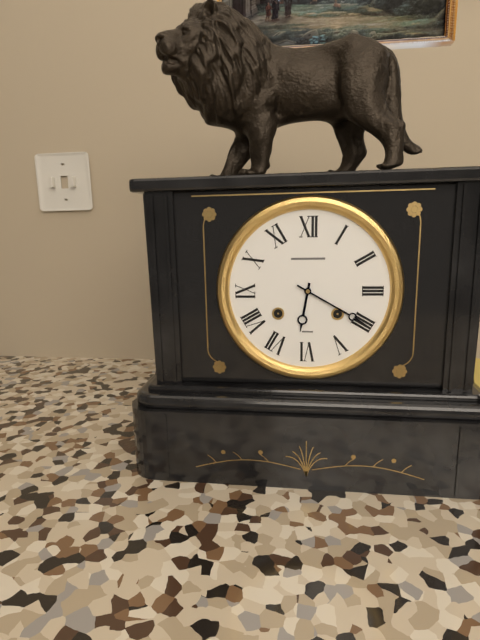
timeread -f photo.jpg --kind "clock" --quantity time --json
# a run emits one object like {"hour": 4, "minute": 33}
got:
{"hour": 6, "minute": 20}
